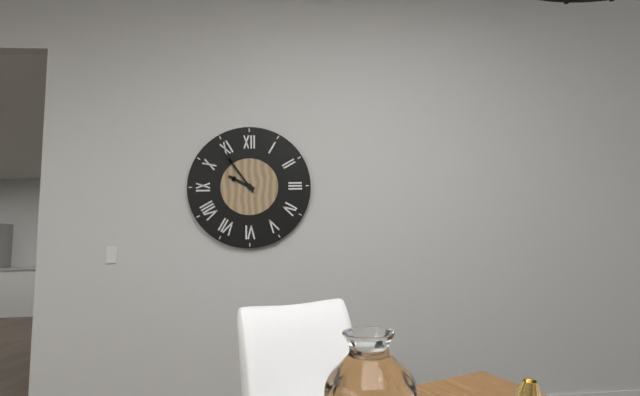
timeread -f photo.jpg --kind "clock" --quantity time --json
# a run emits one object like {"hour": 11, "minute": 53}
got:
{"hour": 9, "minute": 54}
